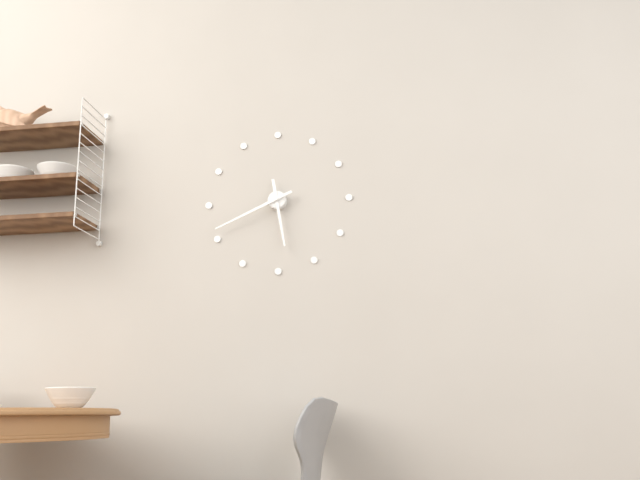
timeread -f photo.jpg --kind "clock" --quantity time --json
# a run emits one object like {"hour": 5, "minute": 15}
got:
{"hour": 5, "minute": 41}
